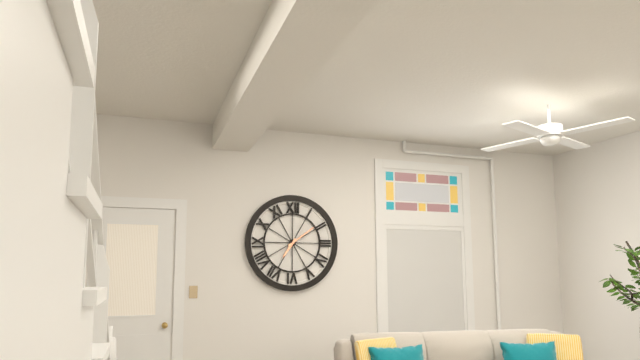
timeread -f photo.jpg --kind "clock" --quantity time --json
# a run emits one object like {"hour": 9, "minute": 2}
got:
{"hour": 7, "minute": 9}
